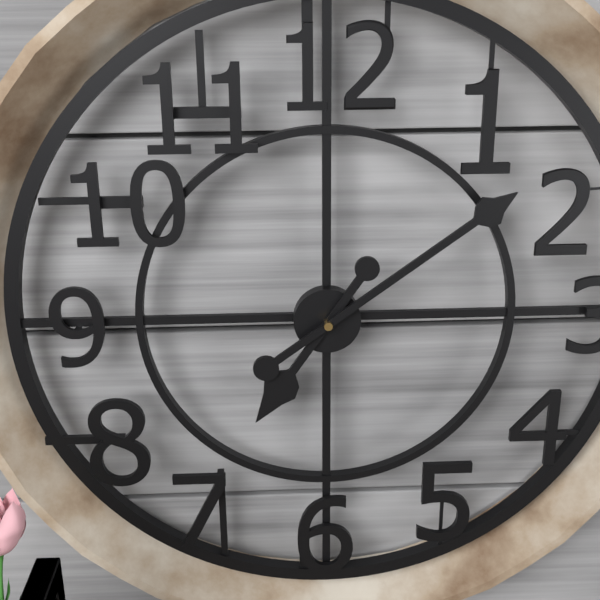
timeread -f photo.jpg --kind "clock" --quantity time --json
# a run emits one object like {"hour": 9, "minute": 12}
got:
{"hour": 7, "minute": 9}
